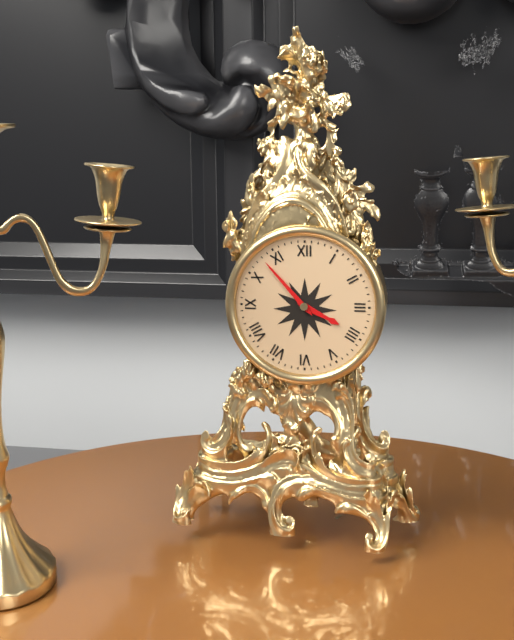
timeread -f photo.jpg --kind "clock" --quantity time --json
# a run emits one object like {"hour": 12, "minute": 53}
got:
{"hour": 3, "minute": 53}
